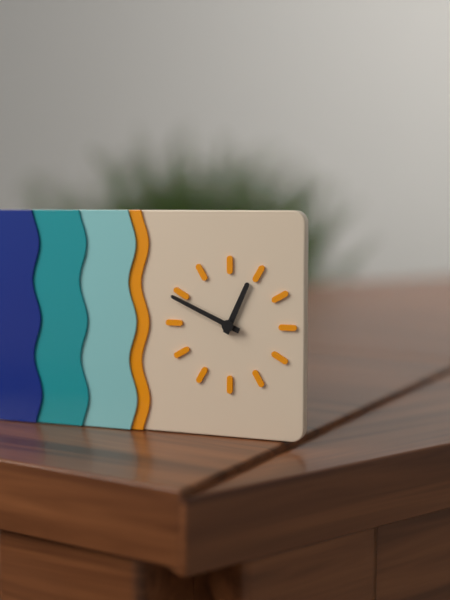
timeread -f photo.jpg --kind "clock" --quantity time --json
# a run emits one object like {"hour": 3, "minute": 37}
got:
{"hour": 12, "minute": 49}
